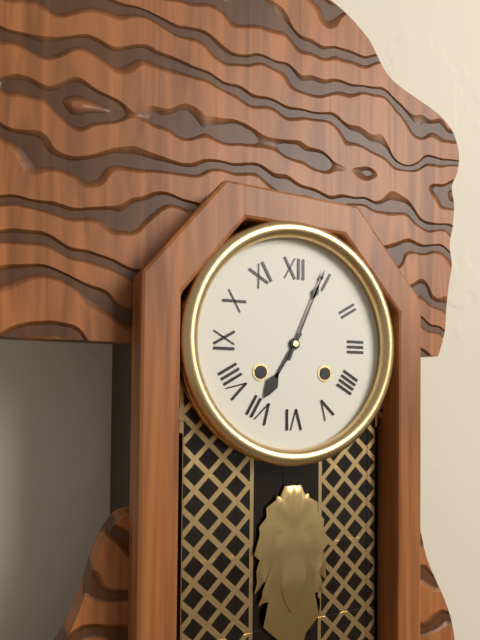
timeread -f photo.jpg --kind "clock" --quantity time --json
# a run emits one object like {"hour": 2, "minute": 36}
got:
{"hour": 7, "minute": 4}
